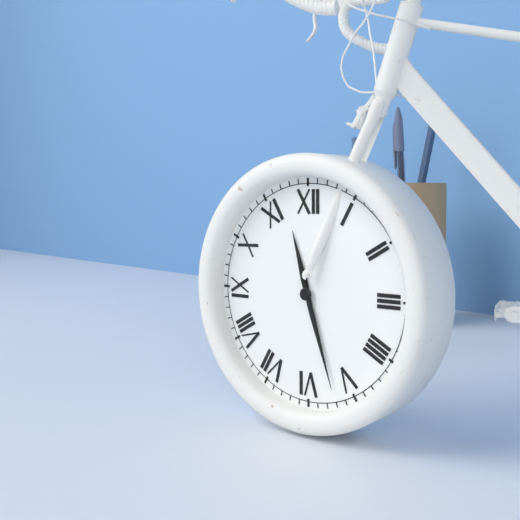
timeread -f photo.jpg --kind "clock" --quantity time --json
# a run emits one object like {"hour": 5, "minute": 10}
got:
{"hour": 11, "minute": 27}
